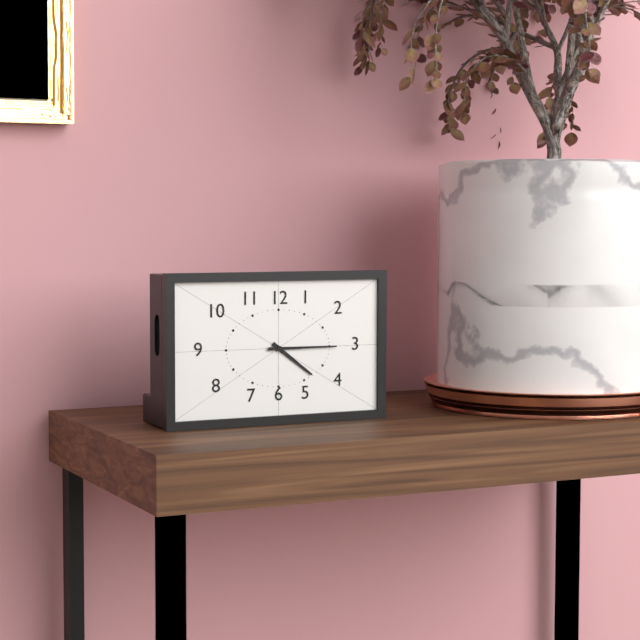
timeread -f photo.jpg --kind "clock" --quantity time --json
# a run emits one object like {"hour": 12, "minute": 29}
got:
{"hour": 4, "minute": 15}
